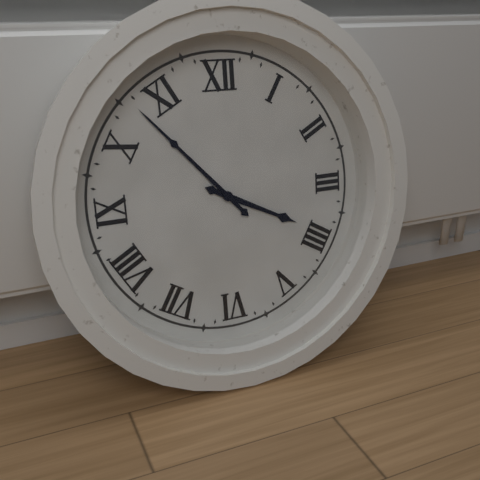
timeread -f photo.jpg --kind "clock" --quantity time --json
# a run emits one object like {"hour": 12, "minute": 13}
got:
{"hour": 3, "minute": 53}
